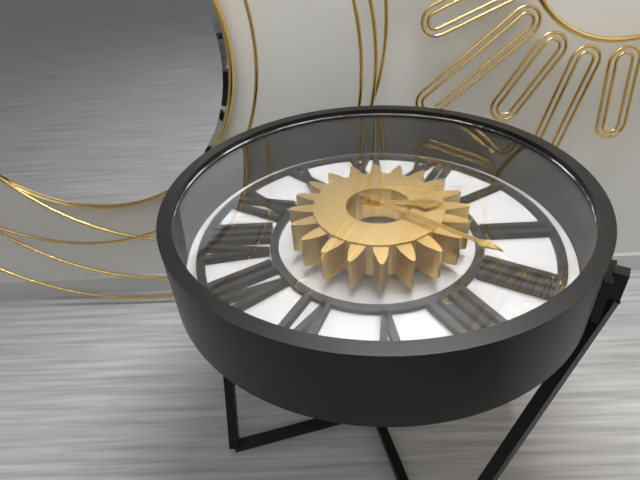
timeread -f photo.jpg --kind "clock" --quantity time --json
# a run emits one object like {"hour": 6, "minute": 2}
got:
{"hour": 2, "minute": 17}
